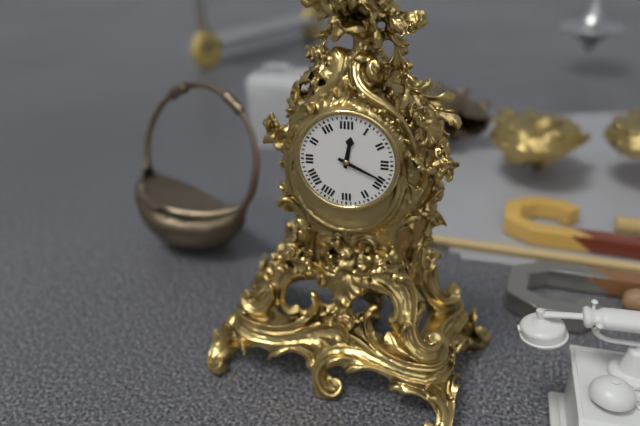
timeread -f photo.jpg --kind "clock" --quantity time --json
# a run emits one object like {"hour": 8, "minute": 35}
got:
{"hour": 12, "minute": 19}
